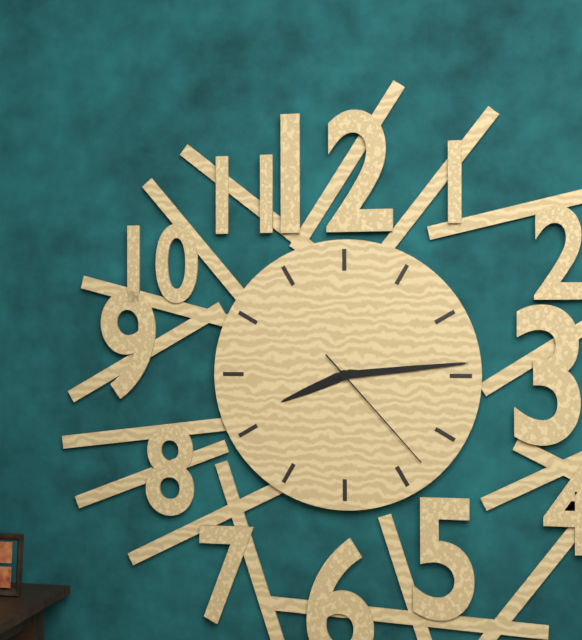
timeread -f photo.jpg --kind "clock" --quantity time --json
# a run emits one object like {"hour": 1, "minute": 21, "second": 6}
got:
{"hour": 8, "minute": 14, "second": 23}
